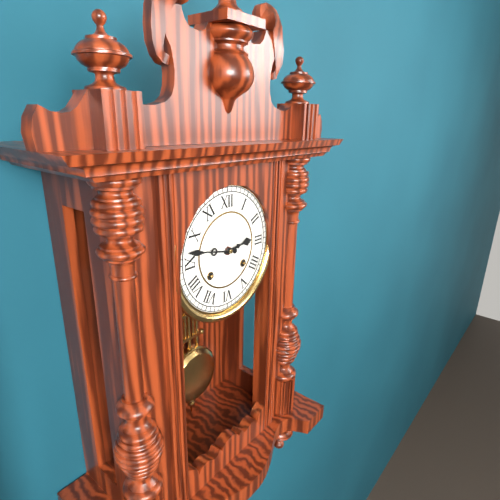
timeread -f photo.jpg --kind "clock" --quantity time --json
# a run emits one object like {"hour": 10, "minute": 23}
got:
{"hour": 2, "minute": 47}
